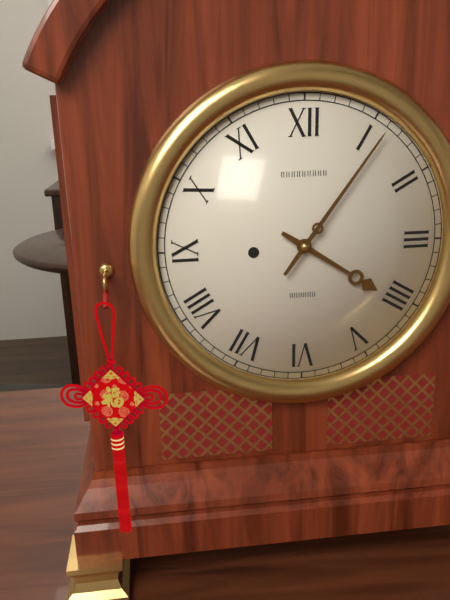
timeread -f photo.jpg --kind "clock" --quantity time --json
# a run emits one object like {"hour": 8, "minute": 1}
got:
{"hour": 4, "minute": 6}
